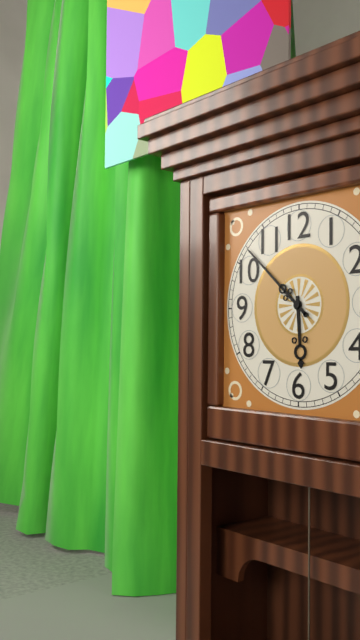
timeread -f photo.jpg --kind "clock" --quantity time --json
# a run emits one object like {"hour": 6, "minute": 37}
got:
{"hour": 5, "minute": 52}
